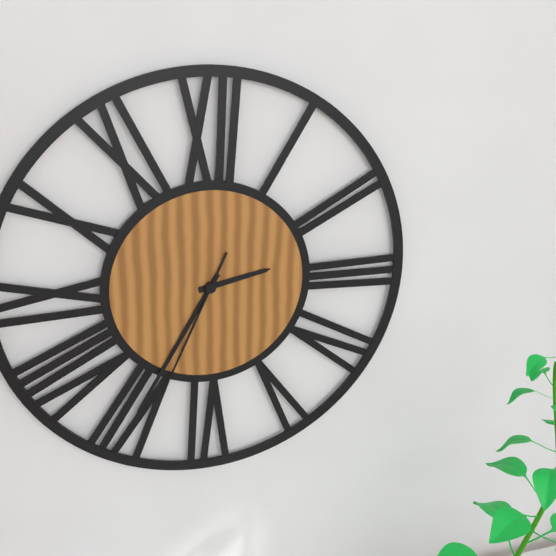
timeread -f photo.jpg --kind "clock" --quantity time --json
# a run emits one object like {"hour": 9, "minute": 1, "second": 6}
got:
{"hour": 2, "minute": 35, "second": 34}
